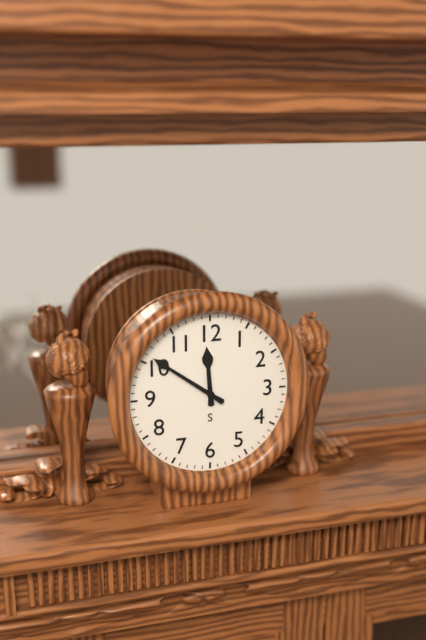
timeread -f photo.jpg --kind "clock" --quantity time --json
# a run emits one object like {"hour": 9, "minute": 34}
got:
{"hour": 11, "minute": 51}
